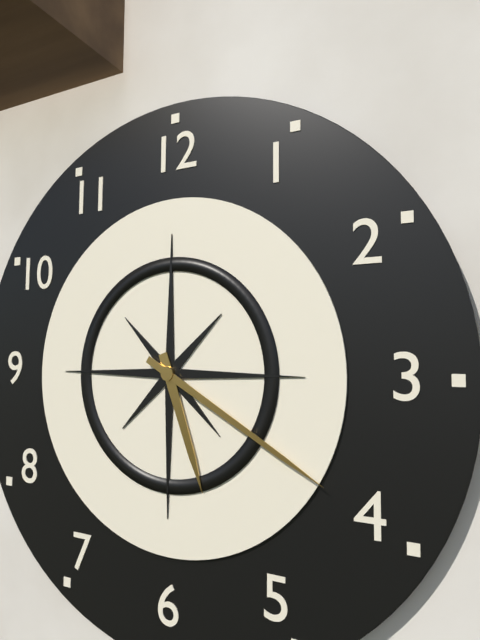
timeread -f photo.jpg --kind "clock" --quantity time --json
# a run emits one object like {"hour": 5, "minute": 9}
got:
{"hour": 5, "minute": 20}
